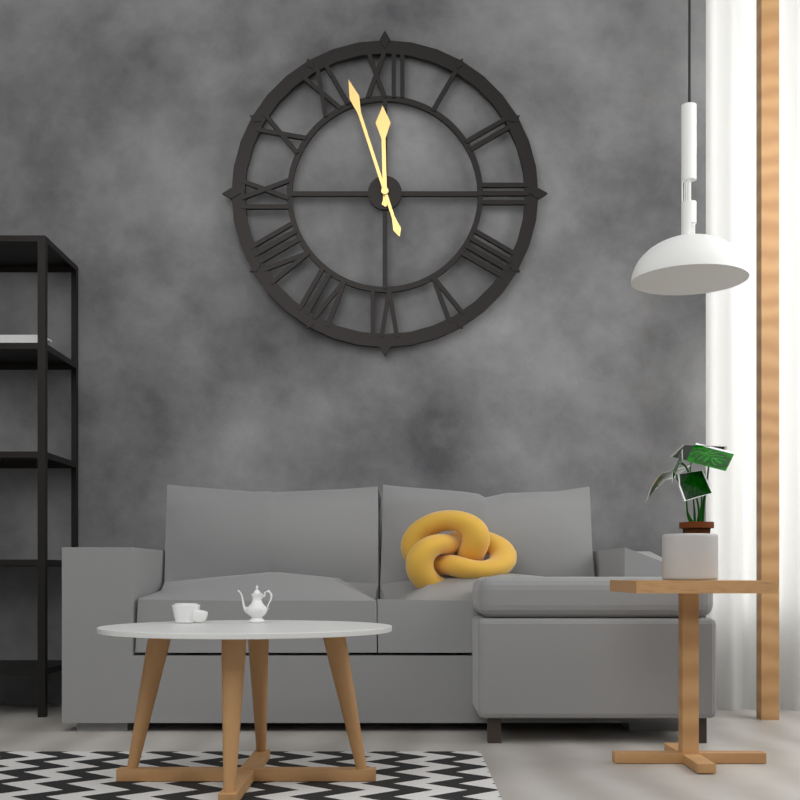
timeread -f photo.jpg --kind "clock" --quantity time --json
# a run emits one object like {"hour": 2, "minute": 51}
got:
{"hour": 11, "minute": 57}
